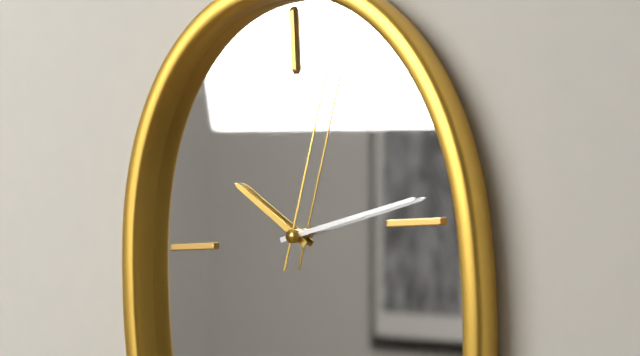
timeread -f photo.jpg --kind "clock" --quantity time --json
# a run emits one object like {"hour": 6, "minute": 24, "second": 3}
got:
{"hour": 10, "minute": 13, "second": 3}
